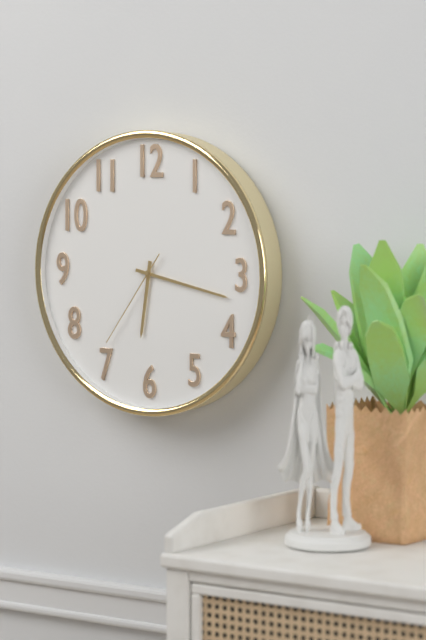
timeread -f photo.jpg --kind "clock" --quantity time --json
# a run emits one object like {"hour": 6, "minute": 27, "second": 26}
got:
{"hour": 6, "minute": 17, "second": 36}
